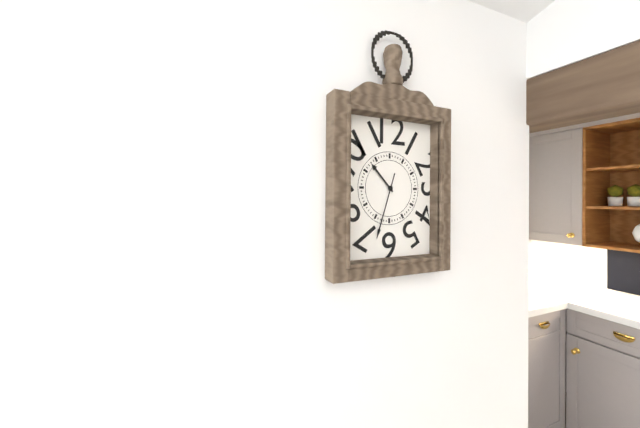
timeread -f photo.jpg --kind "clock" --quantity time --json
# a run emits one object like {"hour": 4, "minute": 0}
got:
{"hour": 10, "minute": 33}
